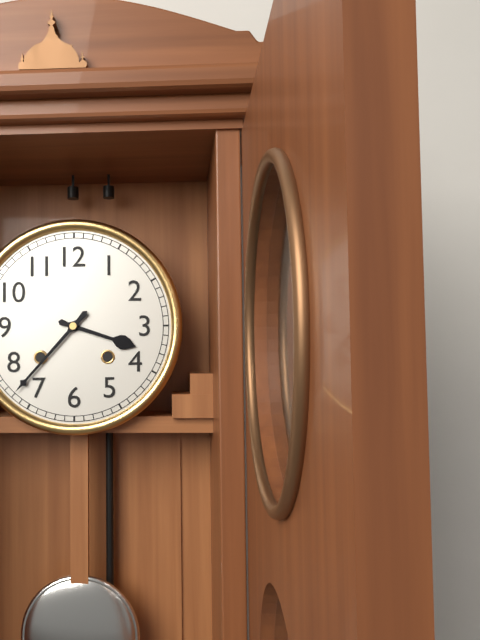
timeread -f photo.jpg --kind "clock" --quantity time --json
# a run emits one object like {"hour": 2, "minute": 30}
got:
{"hour": 3, "minute": 37}
